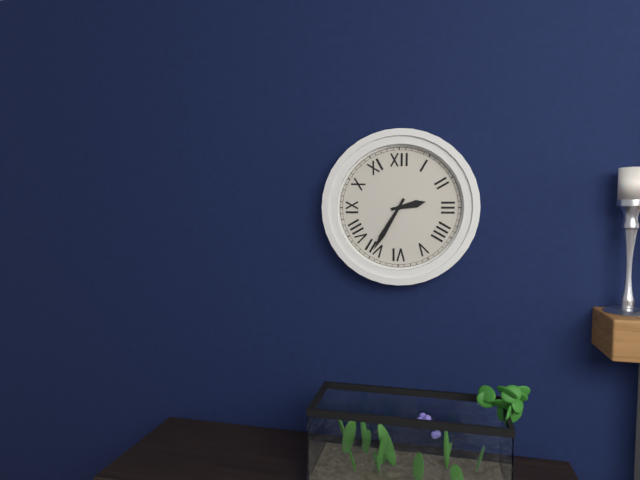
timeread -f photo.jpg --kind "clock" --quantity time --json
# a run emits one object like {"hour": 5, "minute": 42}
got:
{"hour": 2, "minute": 35}
